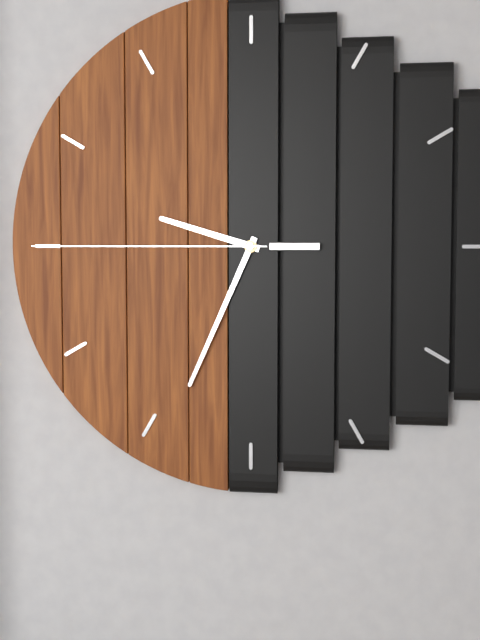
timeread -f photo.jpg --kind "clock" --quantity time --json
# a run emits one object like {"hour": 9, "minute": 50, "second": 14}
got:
{"hour": 9, "minute": 34, "second": 45}
